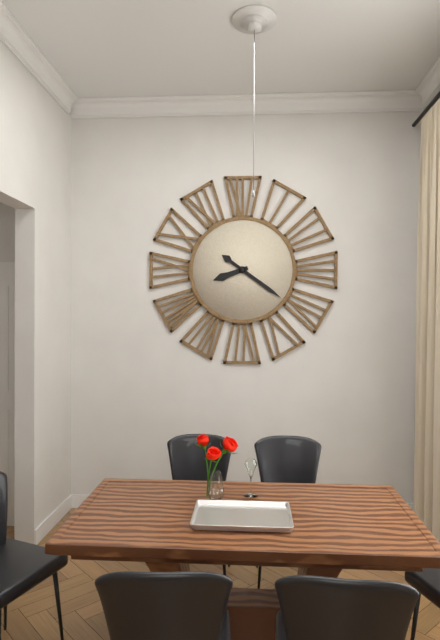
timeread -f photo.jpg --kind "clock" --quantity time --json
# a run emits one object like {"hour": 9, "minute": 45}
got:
{"hour": 8, "minute": 21}
